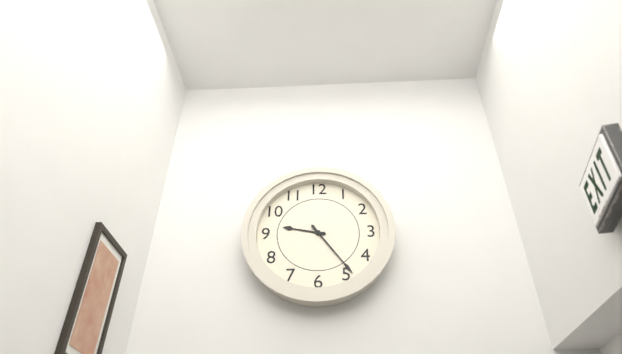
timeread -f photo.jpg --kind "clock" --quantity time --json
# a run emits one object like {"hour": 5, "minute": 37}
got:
{"hour": 9, "minute": 24}
